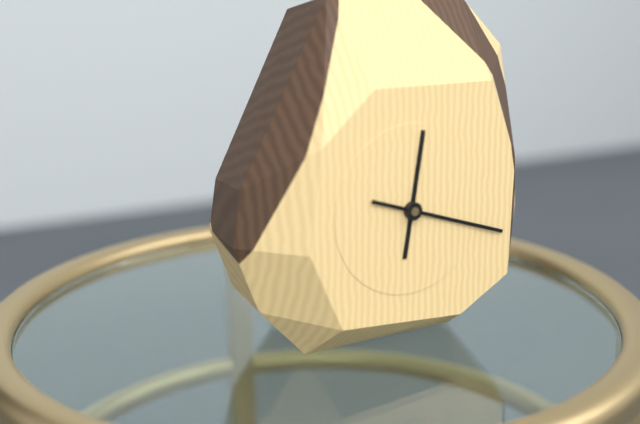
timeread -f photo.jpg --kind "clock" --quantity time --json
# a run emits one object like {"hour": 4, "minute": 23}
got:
{"hour": 12, "minute": 18}
